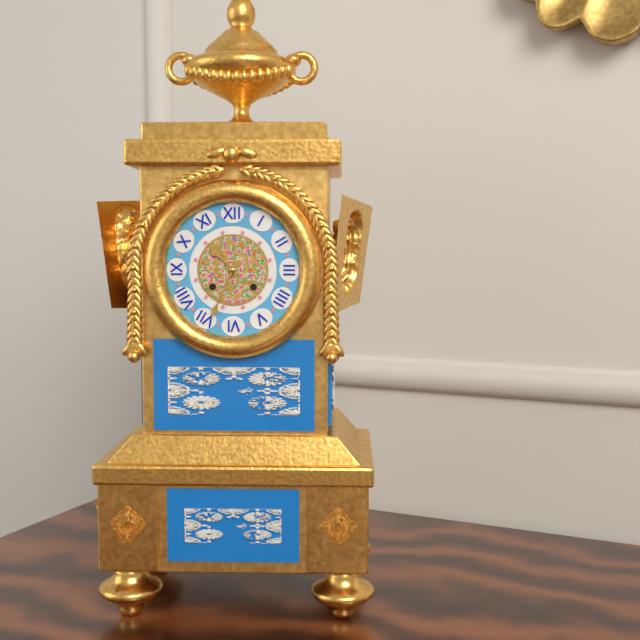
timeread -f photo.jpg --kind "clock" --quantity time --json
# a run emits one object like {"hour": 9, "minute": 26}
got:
{"hour": 10, "minute": 34}
